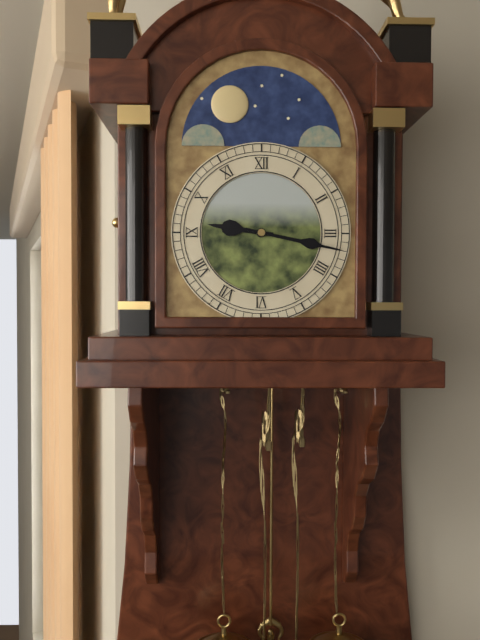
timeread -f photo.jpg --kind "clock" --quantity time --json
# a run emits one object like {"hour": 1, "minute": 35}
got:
{"hour": 9, "minute": 17}
